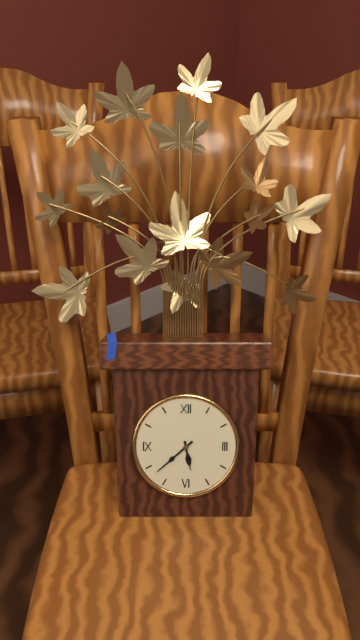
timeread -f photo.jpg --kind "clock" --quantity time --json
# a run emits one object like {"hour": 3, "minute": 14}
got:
{"hour": 5, "minute": 38}
